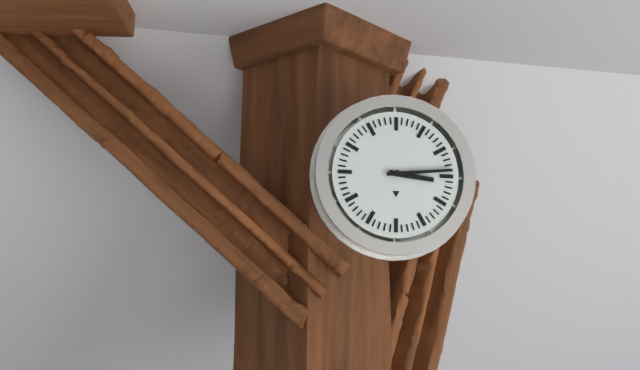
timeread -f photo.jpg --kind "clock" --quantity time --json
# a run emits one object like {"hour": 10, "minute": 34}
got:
{"hour": 3, "minute": 14}
